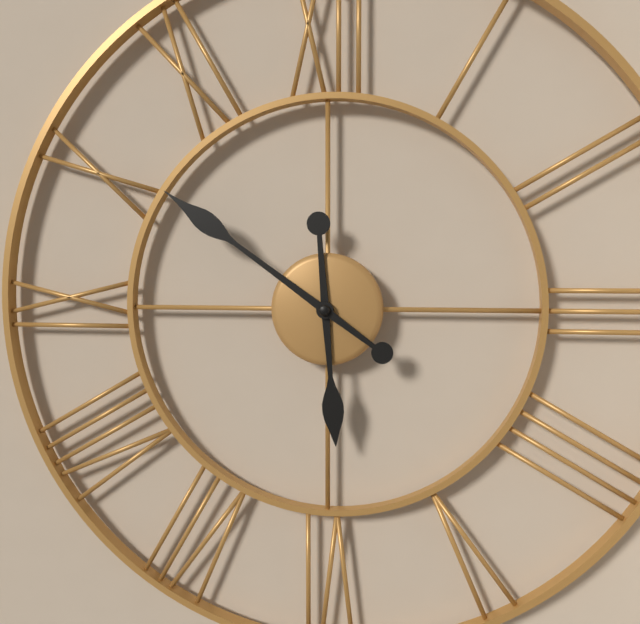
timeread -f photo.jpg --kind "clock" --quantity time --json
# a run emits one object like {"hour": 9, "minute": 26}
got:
{"hour": 5, "minute": 51}
